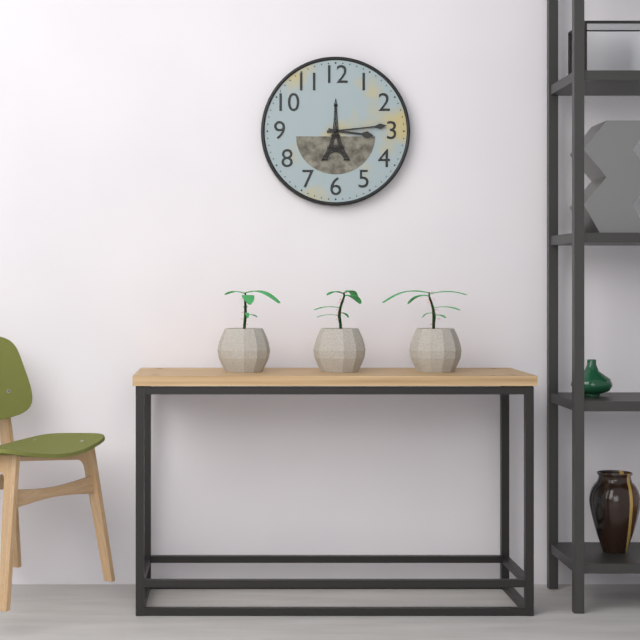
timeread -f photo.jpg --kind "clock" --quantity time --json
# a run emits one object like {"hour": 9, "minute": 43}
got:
{"hour": 3, "minute": 14}
